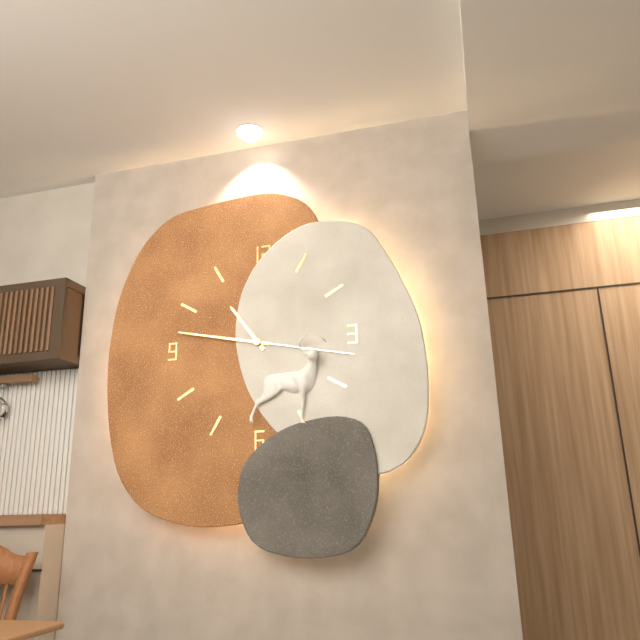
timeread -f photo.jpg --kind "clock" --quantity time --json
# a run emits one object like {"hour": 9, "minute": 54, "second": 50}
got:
{"hour": 10, "minute": 47, "second": 17}
